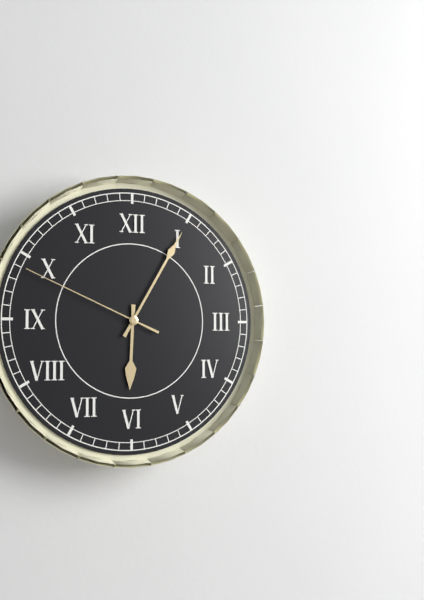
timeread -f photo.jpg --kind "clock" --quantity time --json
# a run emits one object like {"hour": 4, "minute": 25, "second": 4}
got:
{"hour": 6, "minute": 5, "second": 49}
